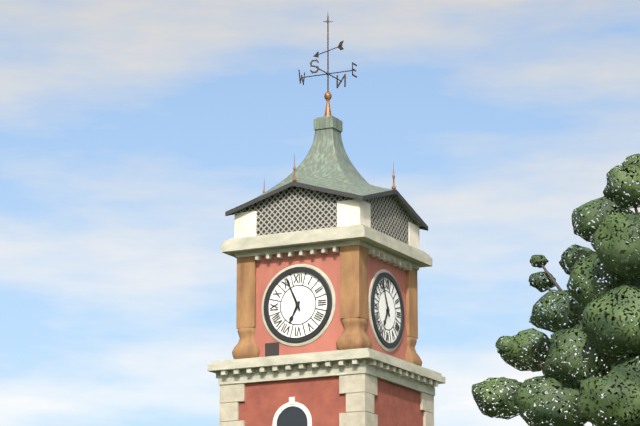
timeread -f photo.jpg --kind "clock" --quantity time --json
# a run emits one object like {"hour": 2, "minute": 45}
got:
{"hour": 6, "minute": 56}
